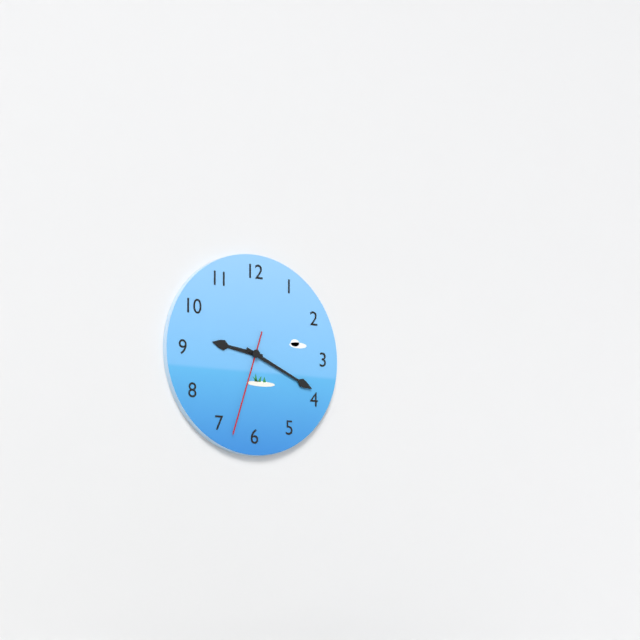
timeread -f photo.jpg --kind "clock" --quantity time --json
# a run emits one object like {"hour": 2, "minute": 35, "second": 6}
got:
{"hour": 9, "minute": 19, "second": 33}
